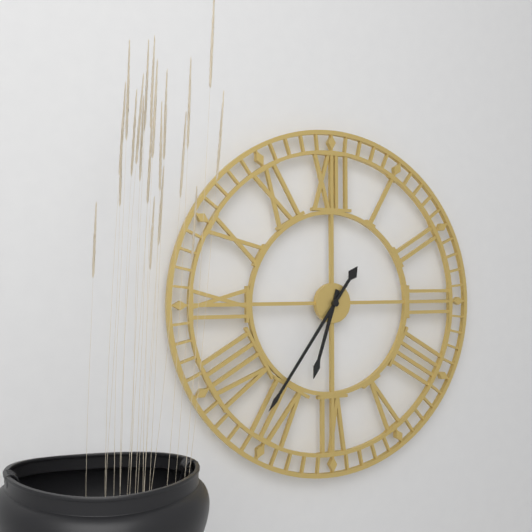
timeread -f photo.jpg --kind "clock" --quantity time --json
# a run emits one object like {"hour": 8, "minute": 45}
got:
{"hour": 6, "minute": 36}
